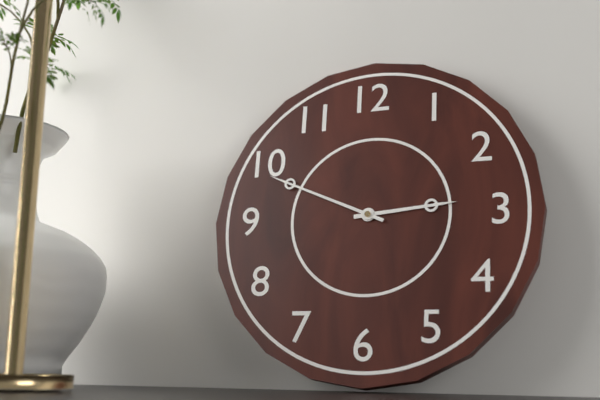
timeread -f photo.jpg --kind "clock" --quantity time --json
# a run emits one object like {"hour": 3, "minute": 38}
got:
{"hour": 2, "minute": 49}
